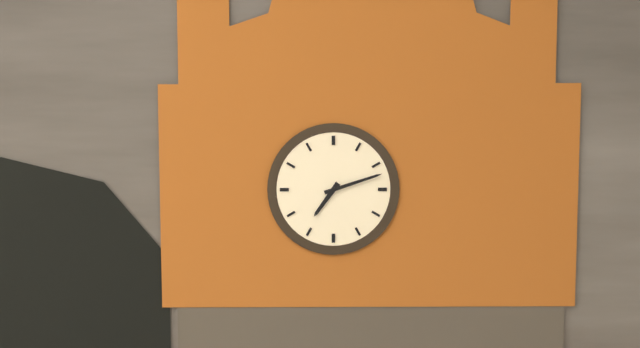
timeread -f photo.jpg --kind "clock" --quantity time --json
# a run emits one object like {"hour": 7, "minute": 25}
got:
{"hour": 7, "minute": 12}
